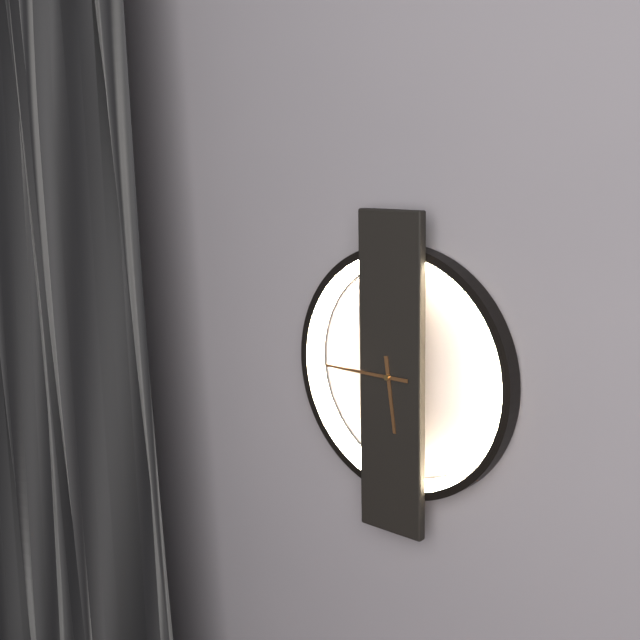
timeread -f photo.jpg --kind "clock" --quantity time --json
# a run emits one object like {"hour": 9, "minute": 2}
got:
{"hour": 5, "minute": 45}
